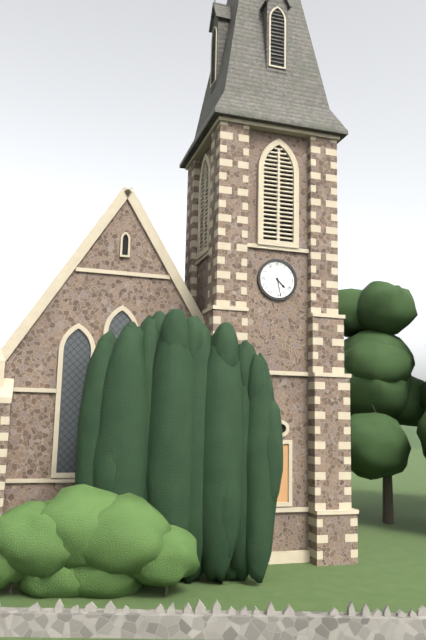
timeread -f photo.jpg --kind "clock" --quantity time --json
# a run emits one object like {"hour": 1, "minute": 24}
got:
{"hour": 4, "minute": 28}
